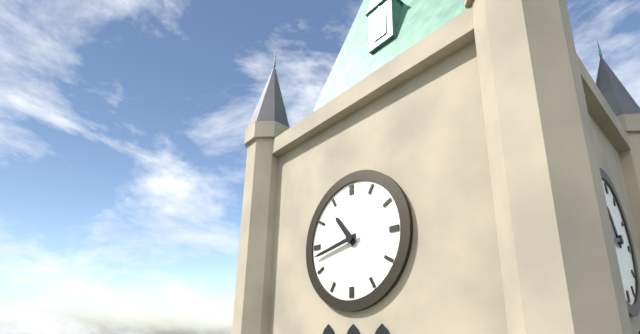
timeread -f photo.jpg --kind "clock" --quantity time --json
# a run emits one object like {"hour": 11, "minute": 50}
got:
{"hour": 10, "minute": 43}
